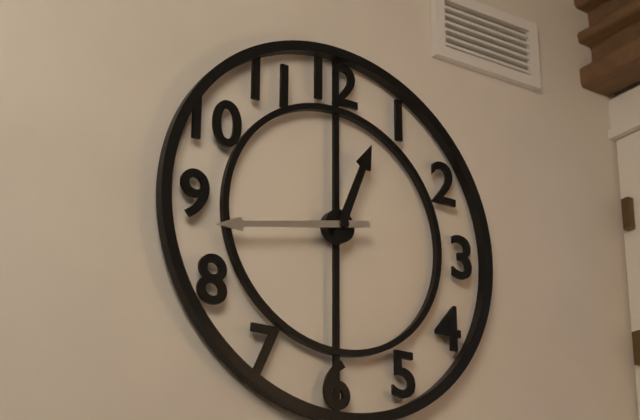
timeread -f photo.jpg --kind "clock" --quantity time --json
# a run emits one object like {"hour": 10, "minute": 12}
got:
{"hour": 12, "minute": 43}
